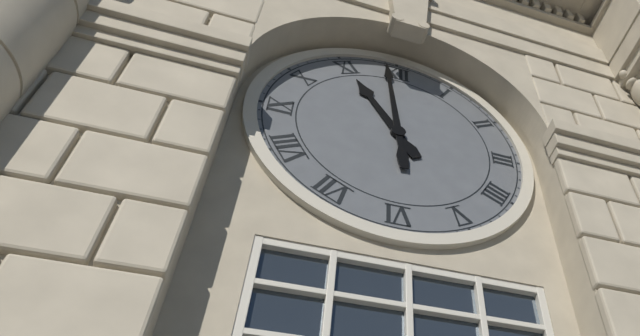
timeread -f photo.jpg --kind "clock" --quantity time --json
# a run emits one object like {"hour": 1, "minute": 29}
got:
{"hour": 10, "minute": 59}
